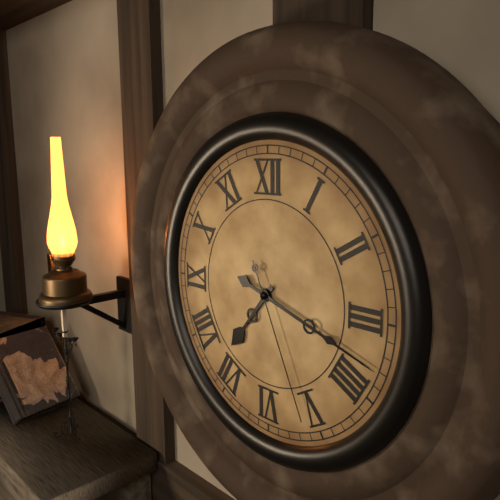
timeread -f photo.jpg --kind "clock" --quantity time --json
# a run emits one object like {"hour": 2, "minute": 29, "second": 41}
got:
{"hour": 7, "minute": 18, "second": 26}
